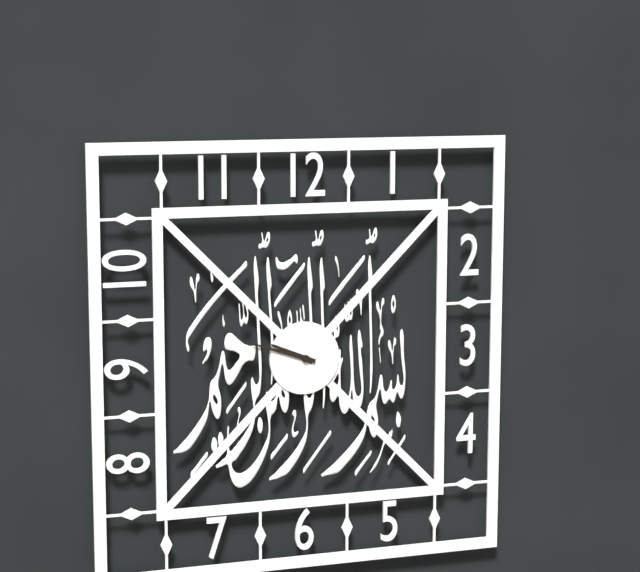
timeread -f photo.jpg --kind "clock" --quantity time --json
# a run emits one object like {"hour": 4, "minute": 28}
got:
{"hour": 9, "minute": 48}
